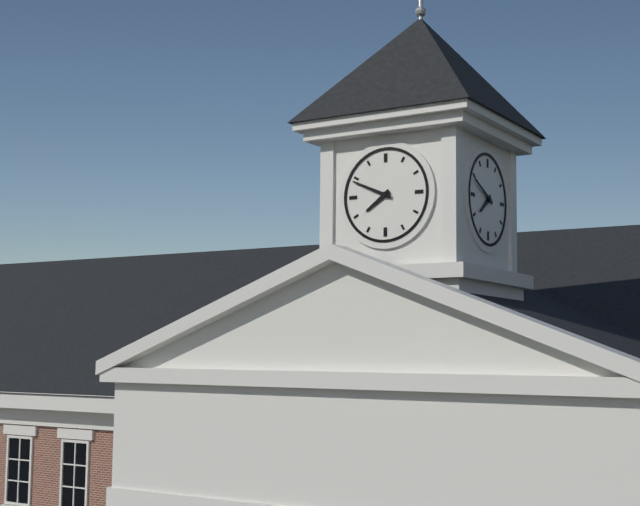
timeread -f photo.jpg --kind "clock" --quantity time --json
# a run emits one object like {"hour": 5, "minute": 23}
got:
{"hour": 7, "minute": 49}
